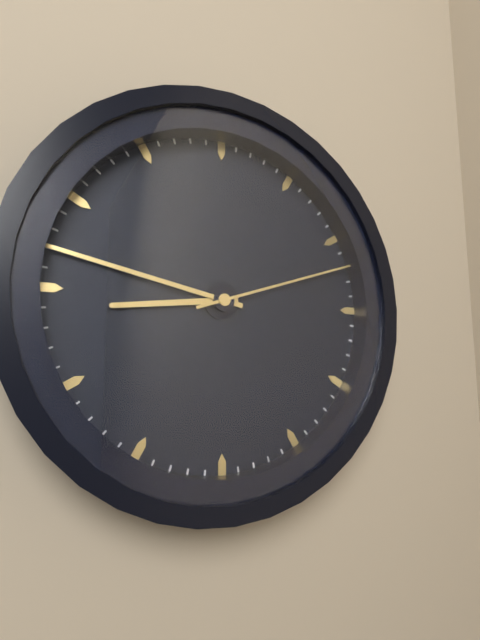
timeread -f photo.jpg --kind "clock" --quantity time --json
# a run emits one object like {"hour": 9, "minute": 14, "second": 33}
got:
{"hour": 8, "minute": 47, "second": 12}
